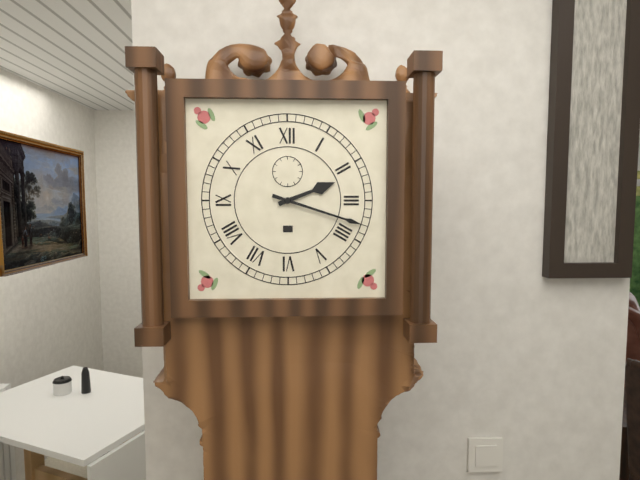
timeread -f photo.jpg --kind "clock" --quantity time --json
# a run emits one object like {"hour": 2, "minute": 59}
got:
{"hour": 2, "minute": 18}
